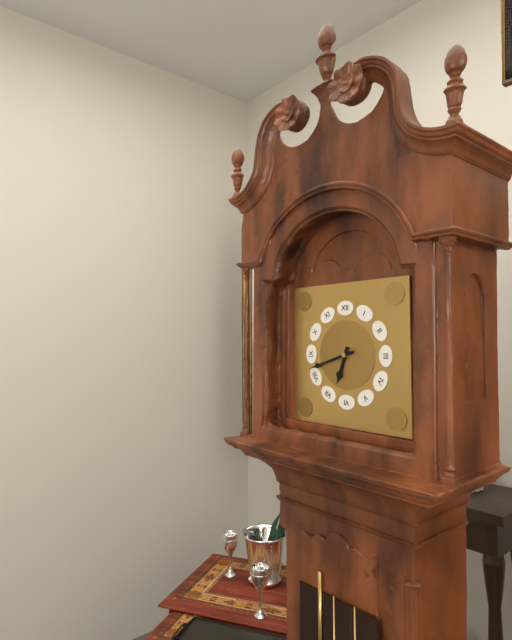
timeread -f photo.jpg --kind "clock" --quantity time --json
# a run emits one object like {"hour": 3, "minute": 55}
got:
{"hour": 6, "minute": 42}
